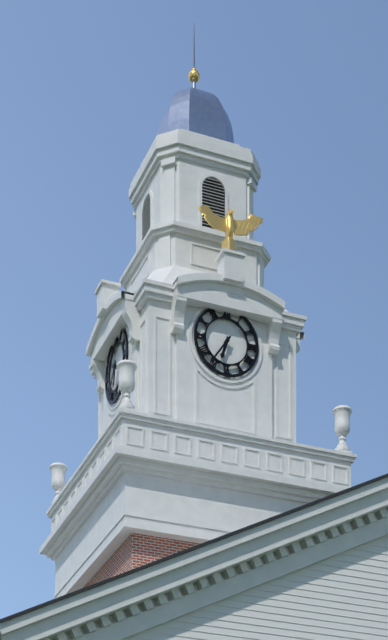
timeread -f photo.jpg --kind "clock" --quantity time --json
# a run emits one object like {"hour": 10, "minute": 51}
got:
{"hour": 6, "minute": 36}
